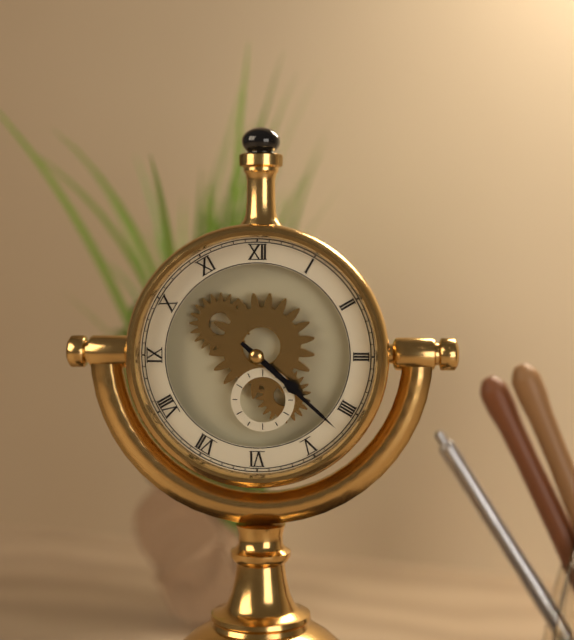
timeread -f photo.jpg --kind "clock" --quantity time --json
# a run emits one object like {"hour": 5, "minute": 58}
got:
{"hour": 4, "minute": 22}
